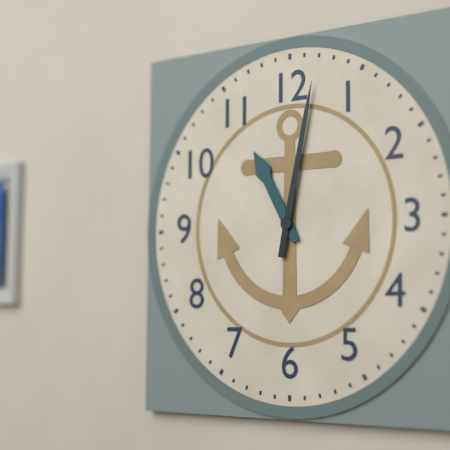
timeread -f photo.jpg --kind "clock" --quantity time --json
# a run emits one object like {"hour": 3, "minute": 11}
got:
{"hour": 11, "minute": 2}
